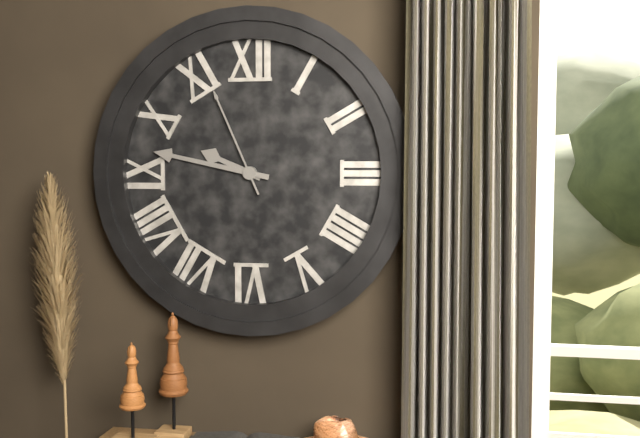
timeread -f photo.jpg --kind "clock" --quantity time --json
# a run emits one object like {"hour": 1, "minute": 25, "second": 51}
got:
{"hour": 9, "minute": 47, "second": 56}
